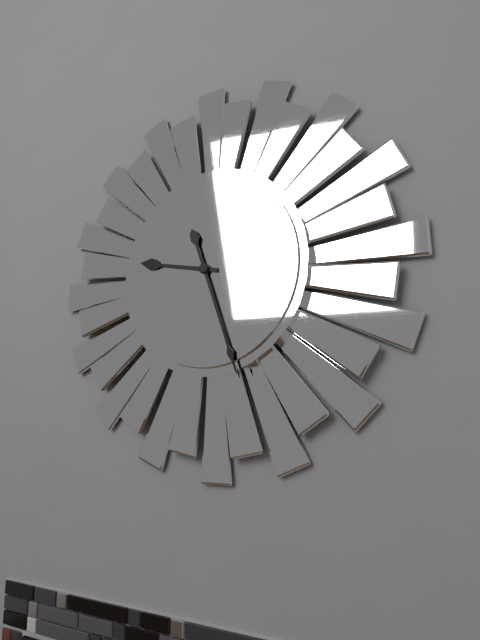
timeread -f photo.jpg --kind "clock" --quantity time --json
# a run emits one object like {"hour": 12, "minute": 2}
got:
{"hour": 9, "minute": 27}
